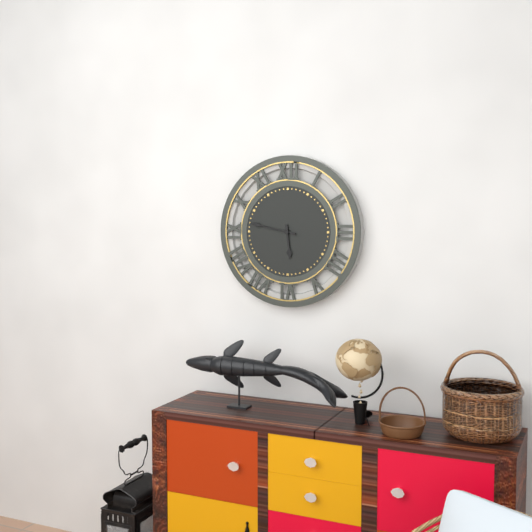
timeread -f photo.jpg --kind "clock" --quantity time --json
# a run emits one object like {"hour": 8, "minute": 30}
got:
{"hour": 5, "minute": 47}
